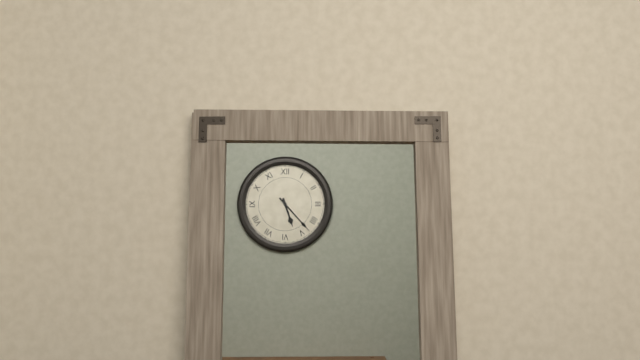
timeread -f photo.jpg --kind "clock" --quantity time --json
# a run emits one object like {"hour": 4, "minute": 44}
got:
{"hour": 5, "minute": 23}
